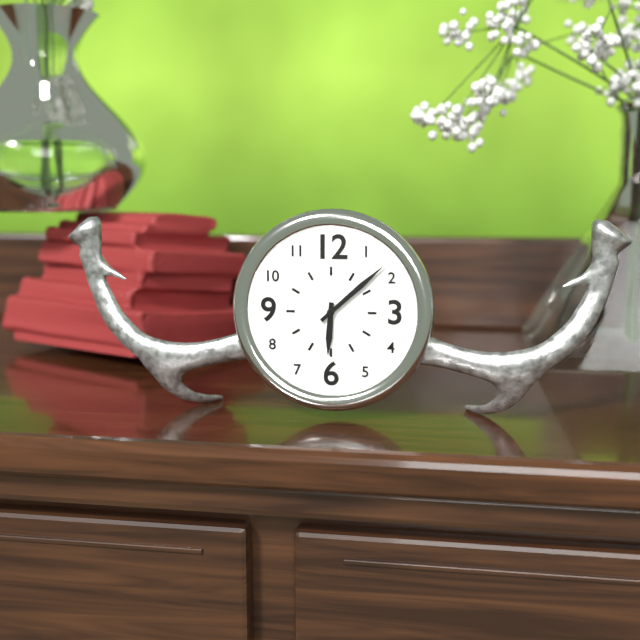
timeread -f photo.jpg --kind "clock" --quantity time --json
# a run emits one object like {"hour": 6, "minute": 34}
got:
{"hour": 6, "minute": 8}
